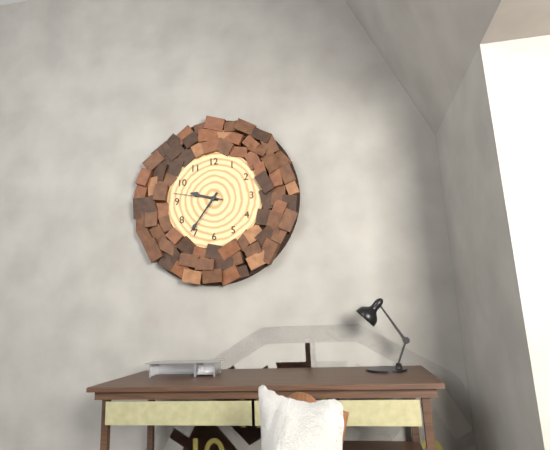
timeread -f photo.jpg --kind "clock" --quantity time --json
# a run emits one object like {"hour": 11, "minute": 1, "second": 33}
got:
{"hour": 9, "minute": 36, "second": 47}
